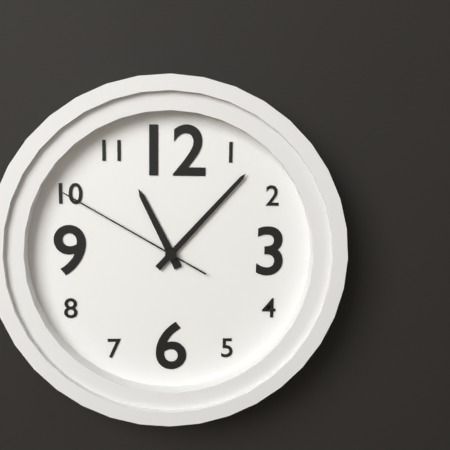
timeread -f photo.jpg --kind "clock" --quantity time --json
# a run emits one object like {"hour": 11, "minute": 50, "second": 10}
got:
{"hour": 11, "minute": 7, "second": 50}
